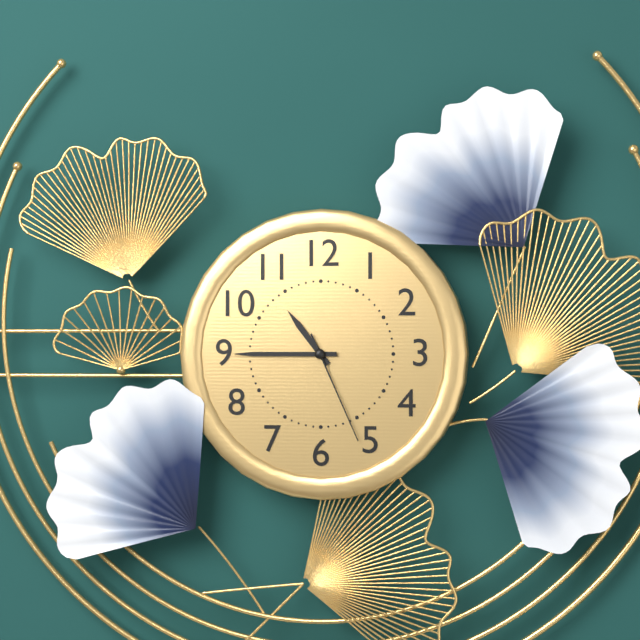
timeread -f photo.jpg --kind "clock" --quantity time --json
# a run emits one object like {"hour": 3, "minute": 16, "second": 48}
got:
{"hour": 10, "minute": 45, "second": 26}
